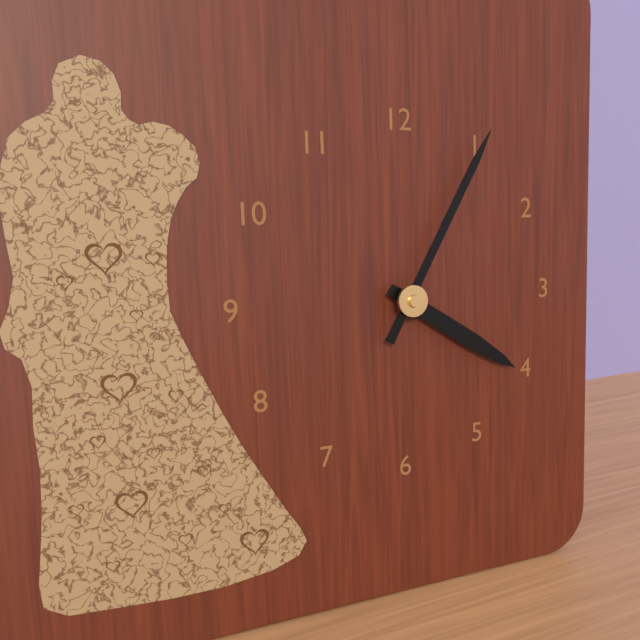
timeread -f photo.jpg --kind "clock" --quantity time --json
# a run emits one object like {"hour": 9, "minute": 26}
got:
{"hour": 4, "minute": 5}
